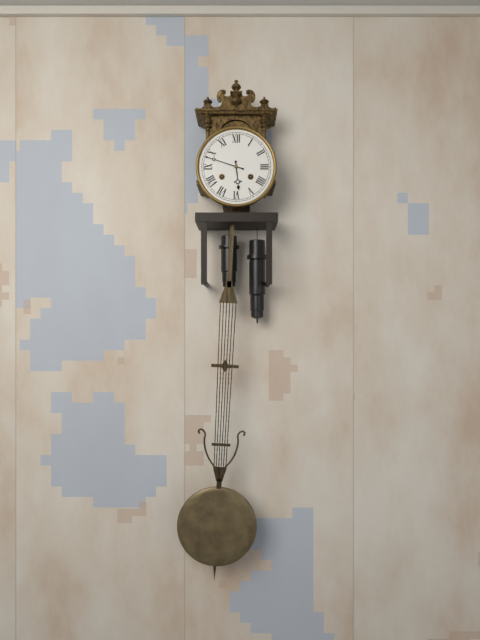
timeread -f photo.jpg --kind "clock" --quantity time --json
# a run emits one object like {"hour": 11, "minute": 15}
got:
{"hour": 5, "minute": 48}
